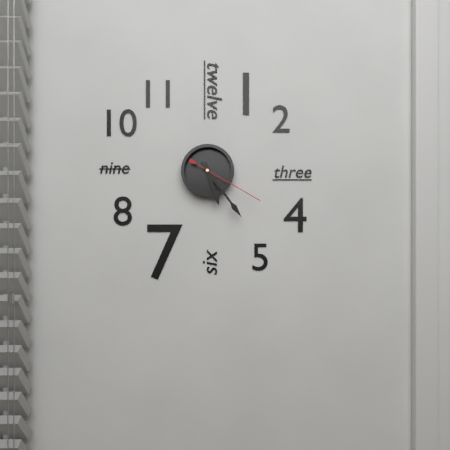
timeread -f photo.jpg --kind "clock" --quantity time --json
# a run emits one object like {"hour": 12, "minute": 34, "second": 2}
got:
{"hour": 5, "minute": 24, "second": 20}
